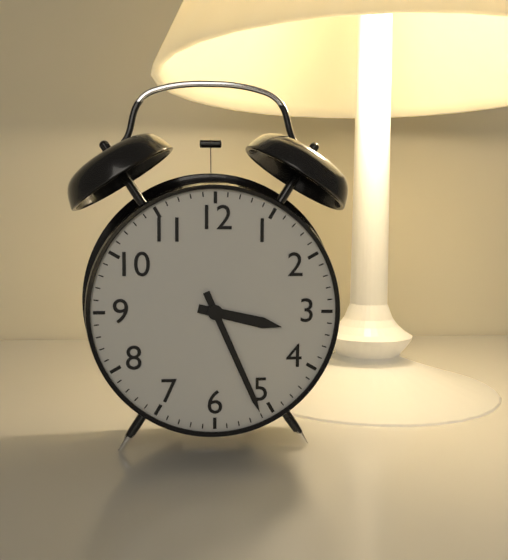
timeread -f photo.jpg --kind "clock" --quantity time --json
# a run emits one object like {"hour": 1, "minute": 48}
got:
{"hour": 3, "minute": 26}
